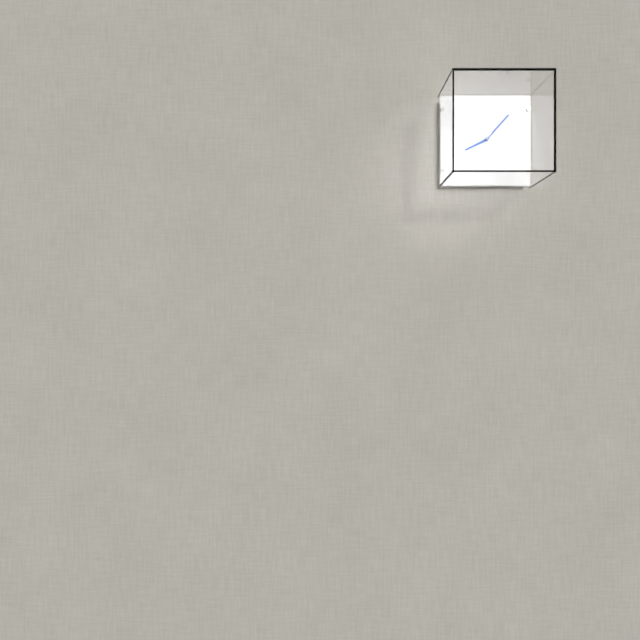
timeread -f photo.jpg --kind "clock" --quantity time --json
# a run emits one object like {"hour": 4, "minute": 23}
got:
{"hour": 8, "minute": 7}
